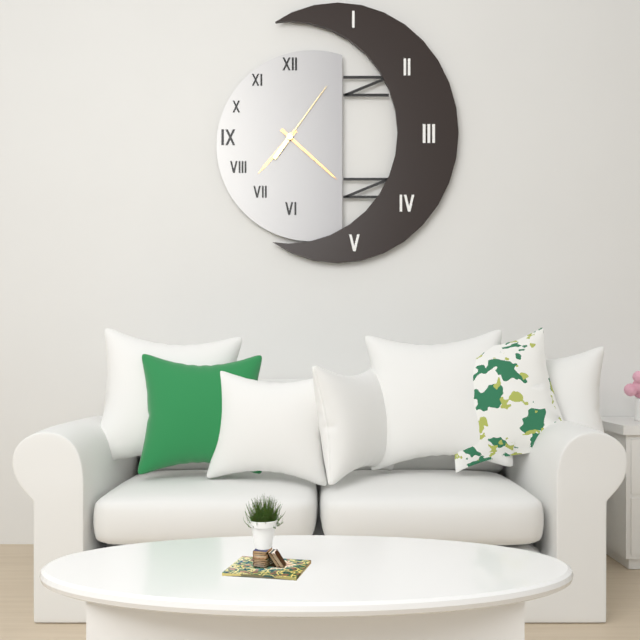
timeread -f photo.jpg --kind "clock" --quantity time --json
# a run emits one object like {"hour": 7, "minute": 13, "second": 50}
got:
{"hour": 7, "minute": 22, "second": 6}
